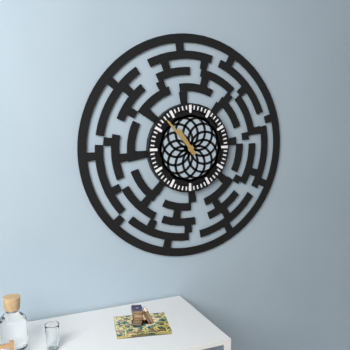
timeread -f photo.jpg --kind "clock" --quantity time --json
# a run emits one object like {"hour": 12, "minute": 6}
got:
{"hour": 10, "minute": 53}
